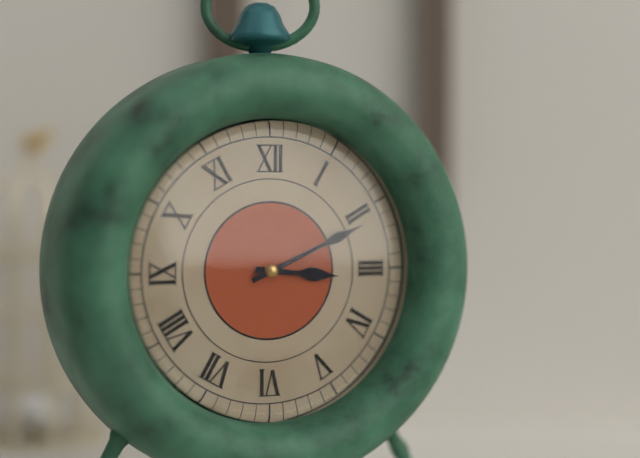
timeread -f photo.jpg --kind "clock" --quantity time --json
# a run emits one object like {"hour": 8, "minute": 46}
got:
{"hour": 3, "minute": 11}
